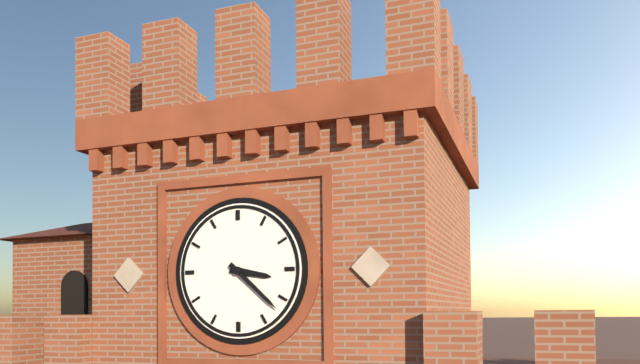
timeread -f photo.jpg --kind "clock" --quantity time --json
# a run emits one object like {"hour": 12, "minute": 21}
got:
{"hour": 3, "minute": 22}
